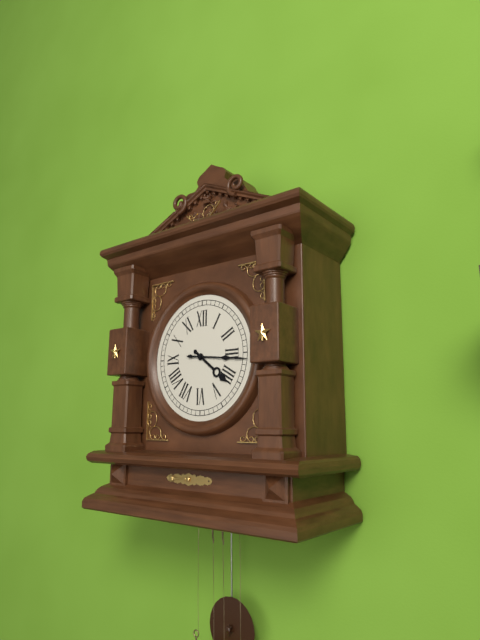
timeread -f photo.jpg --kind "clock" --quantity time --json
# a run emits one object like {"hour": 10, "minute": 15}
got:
{"hour": 4, "minute": 16}
